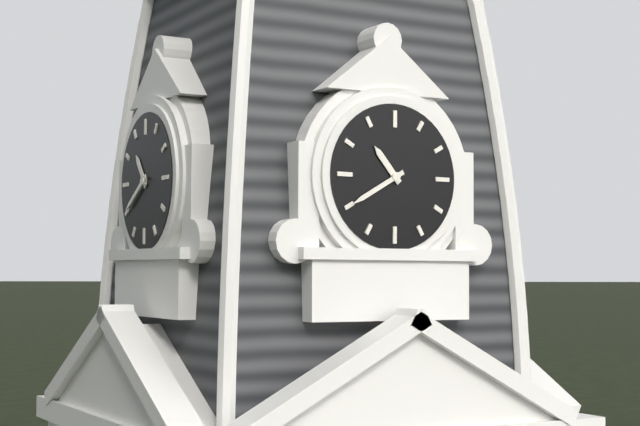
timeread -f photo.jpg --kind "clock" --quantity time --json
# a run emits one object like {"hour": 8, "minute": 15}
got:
{"hour": 10, "minute": 40}
